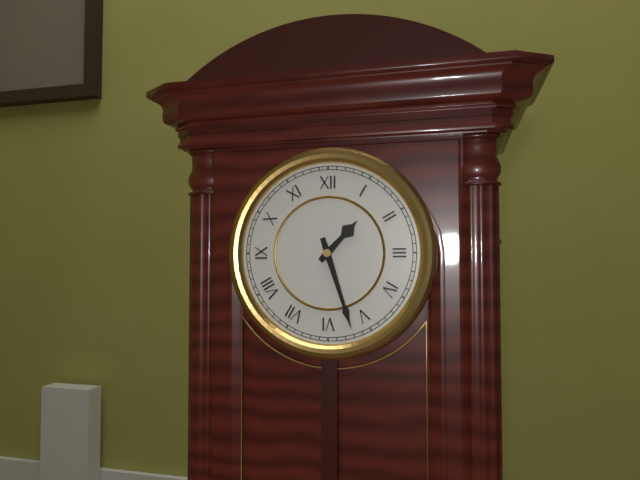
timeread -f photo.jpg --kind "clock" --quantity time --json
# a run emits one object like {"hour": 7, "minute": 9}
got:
{"hour": 1, "minute": 27}
